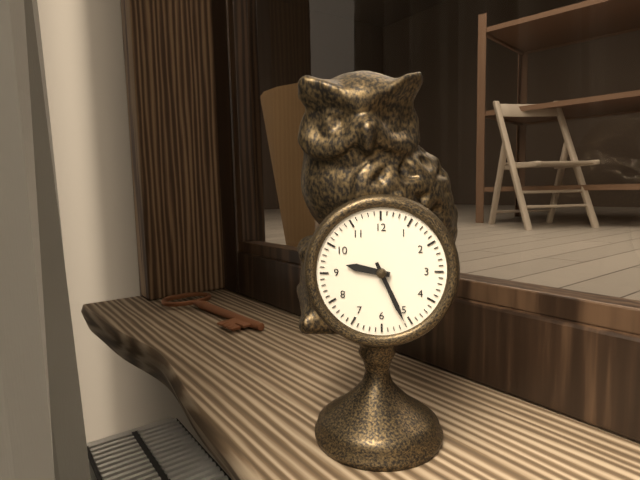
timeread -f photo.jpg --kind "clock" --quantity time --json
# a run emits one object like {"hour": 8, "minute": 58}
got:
{"hour": 9, "minute": 26}
